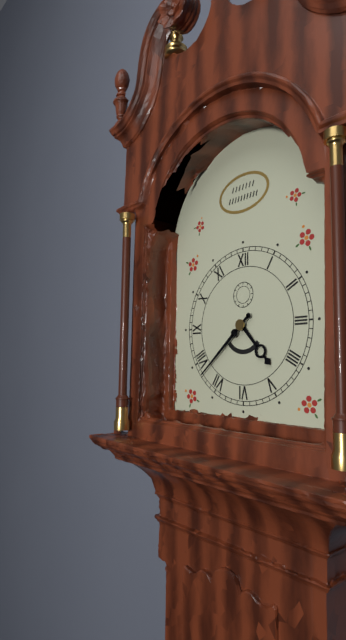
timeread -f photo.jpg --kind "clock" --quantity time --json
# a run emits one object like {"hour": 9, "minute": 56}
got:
{"hour": 4, "minute": 38}
